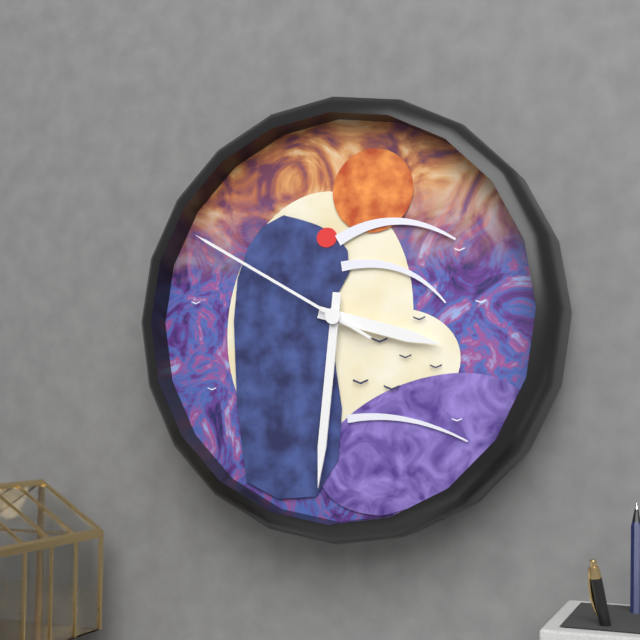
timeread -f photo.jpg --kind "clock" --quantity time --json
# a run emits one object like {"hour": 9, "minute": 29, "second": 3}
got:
{"hour": 3, "minute": 31, "second": 50}
